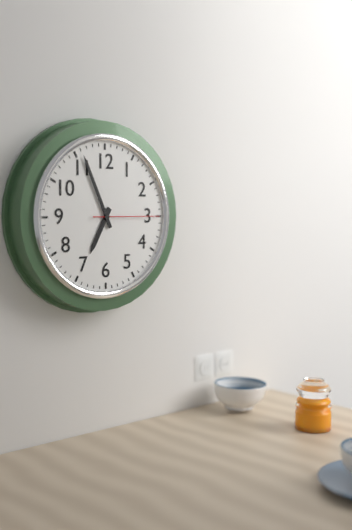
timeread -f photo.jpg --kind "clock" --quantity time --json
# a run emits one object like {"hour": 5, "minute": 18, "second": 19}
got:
{"hour": 6, "minute": 56, "second": 15}
